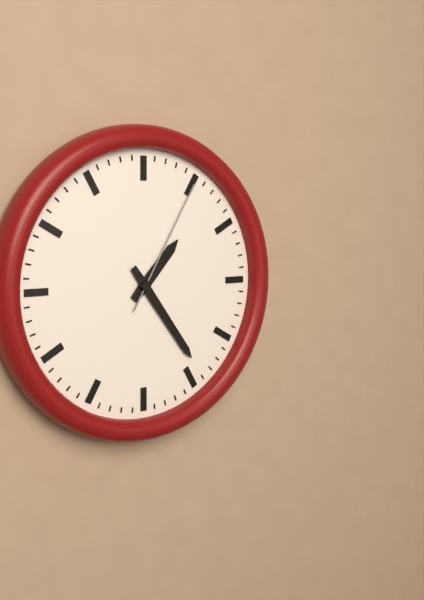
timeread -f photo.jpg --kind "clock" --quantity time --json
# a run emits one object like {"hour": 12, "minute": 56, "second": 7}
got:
{"hour": 1, "minute": 24, "second": 5}
